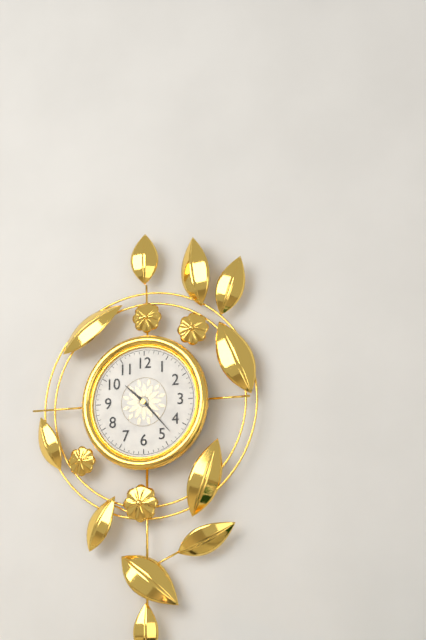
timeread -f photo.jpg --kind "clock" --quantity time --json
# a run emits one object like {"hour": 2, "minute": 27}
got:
{"hour": 10, "minute": 23}
